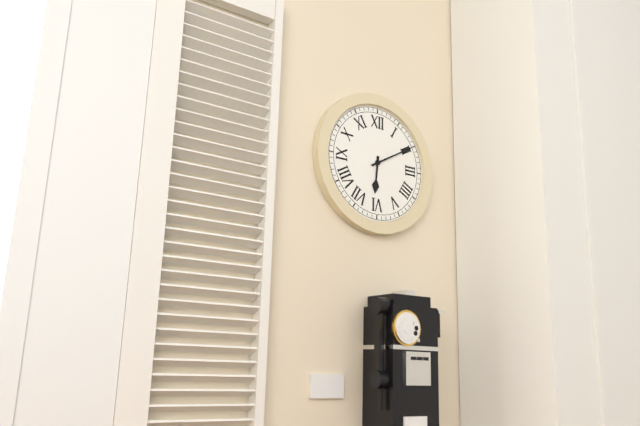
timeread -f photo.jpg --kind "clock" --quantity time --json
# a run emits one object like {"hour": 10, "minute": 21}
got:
{"hour": 6, "minute": 10}
